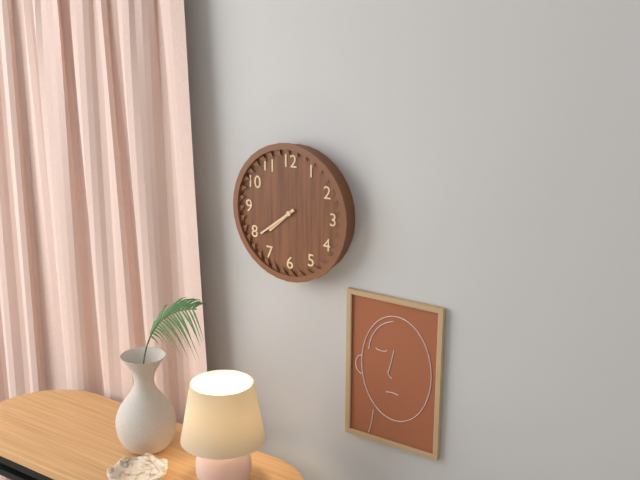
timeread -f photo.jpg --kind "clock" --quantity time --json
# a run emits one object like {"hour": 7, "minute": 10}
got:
{"hour": 7, "minute": 39}
